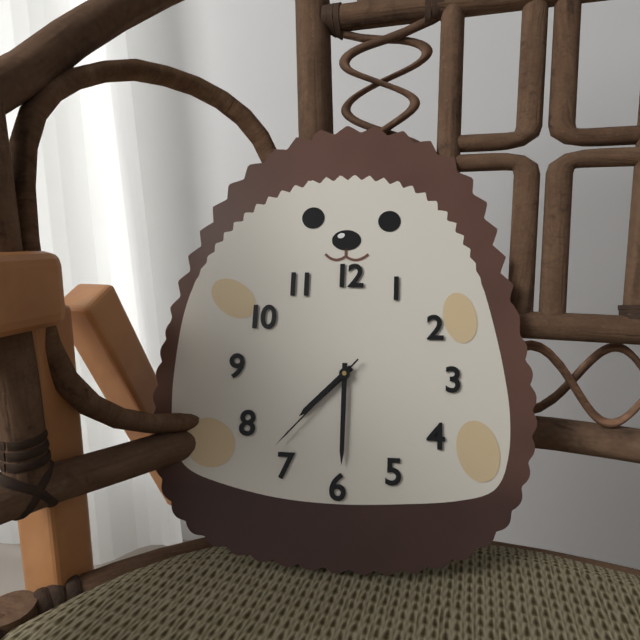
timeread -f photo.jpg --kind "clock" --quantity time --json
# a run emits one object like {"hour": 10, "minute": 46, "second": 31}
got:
{"hour": 7, "minute": 30, "second": 37}
